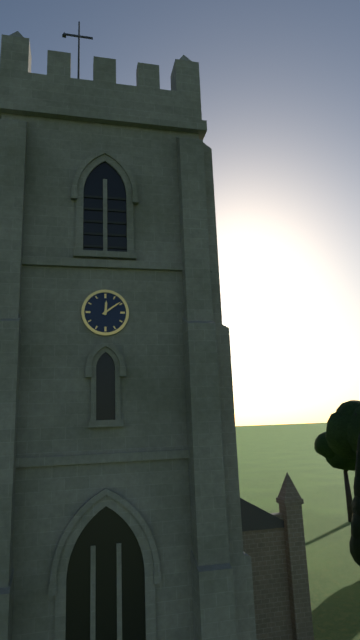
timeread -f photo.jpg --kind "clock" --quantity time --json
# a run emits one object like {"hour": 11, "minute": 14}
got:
{"hour": 12, "minute": 9}
